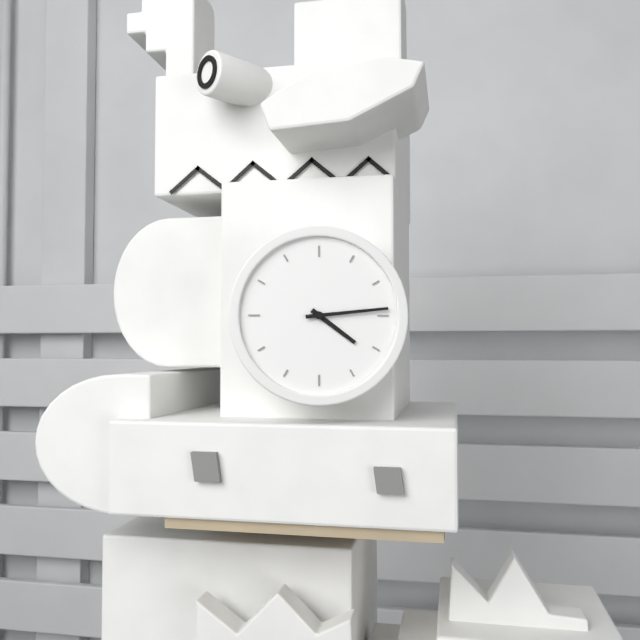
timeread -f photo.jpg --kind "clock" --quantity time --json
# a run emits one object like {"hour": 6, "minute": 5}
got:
{"hour": 4, "minute": 14}
